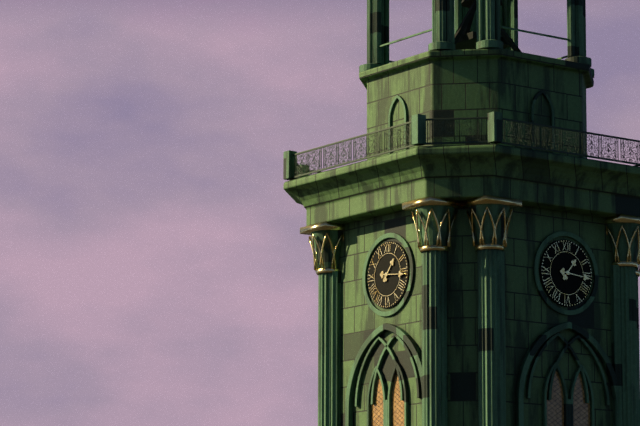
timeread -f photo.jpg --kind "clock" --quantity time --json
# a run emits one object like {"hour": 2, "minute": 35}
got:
{"hour": 1, "minute": 16}
